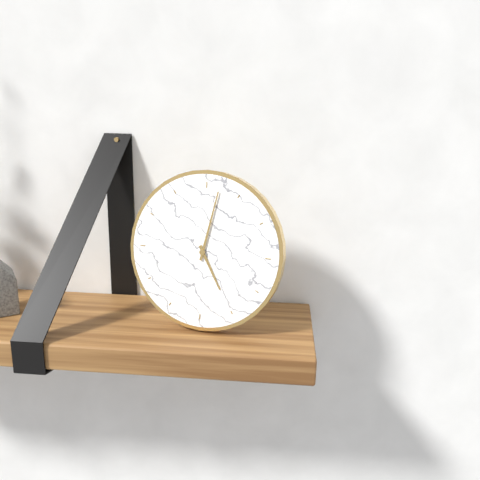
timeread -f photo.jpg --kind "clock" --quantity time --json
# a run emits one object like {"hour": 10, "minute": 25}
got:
{"hour": 5, "minute": 2}
